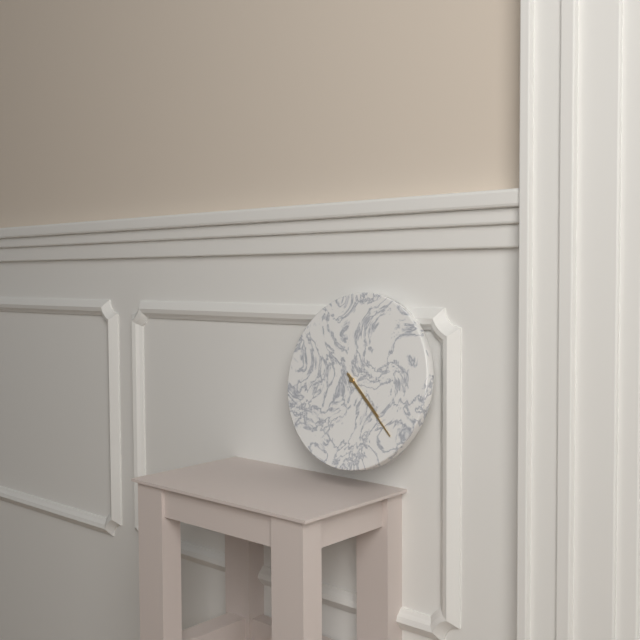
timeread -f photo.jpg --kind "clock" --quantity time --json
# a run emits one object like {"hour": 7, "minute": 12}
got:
{"hour": 4, "minute": 22}
